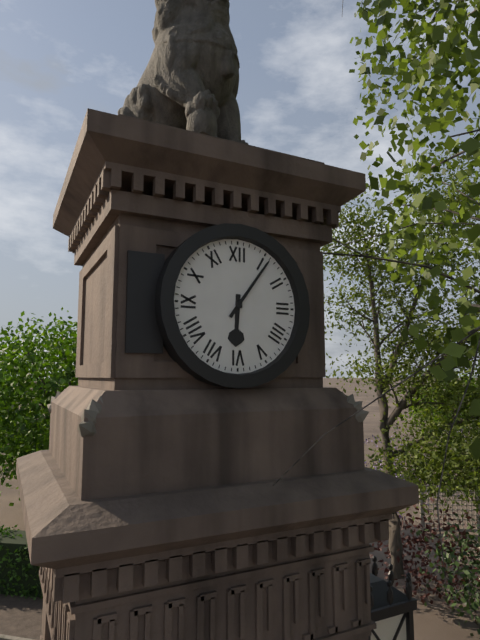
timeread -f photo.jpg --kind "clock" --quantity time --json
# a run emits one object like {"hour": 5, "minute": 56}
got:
{"hour": 6, "minute": 6}
